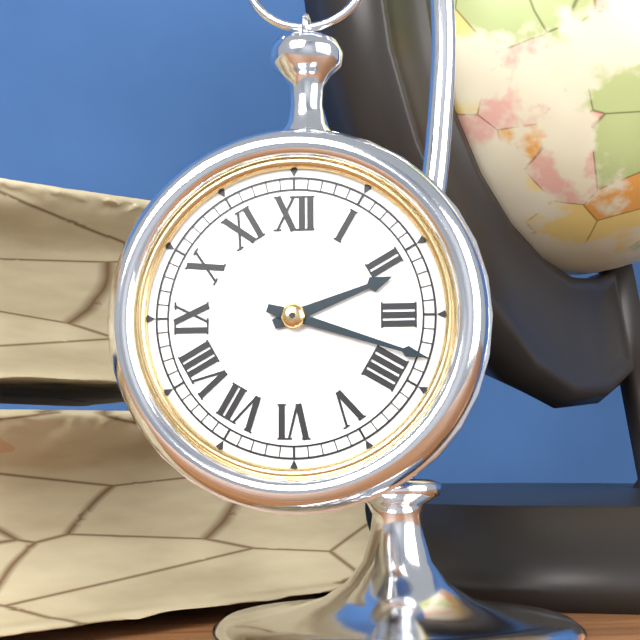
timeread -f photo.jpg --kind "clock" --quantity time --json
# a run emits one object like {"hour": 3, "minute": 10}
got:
{"hour": 2, "minute": 18}
